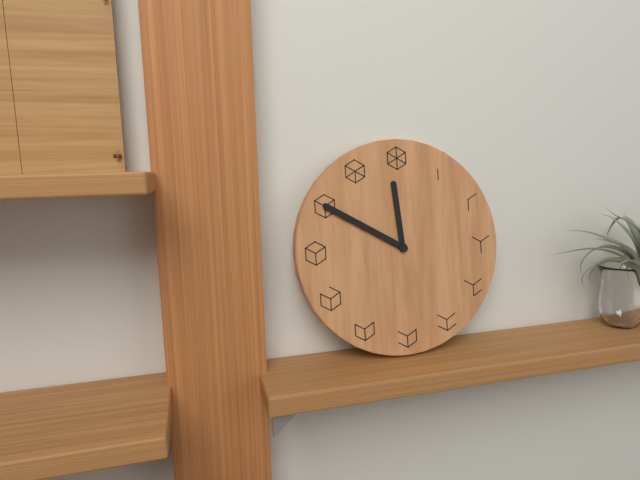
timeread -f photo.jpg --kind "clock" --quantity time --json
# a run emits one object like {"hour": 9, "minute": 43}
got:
{"hour": 11, "minute": 50}
